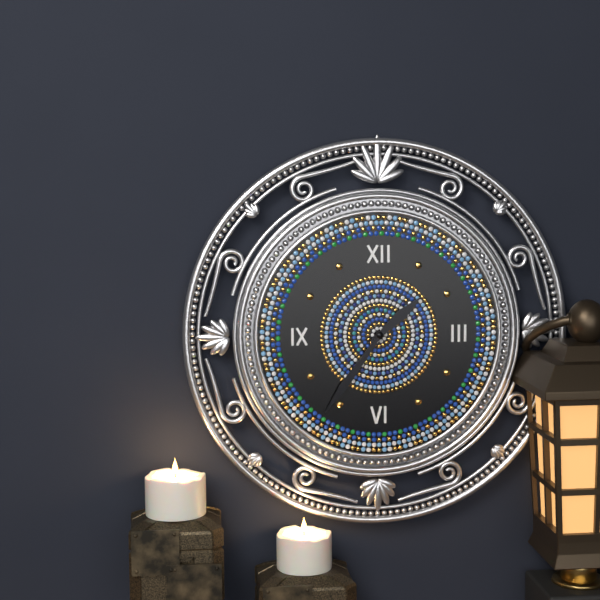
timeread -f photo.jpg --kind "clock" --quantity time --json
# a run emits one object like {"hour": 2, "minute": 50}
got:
{"hour": 1, "minute": 36}
